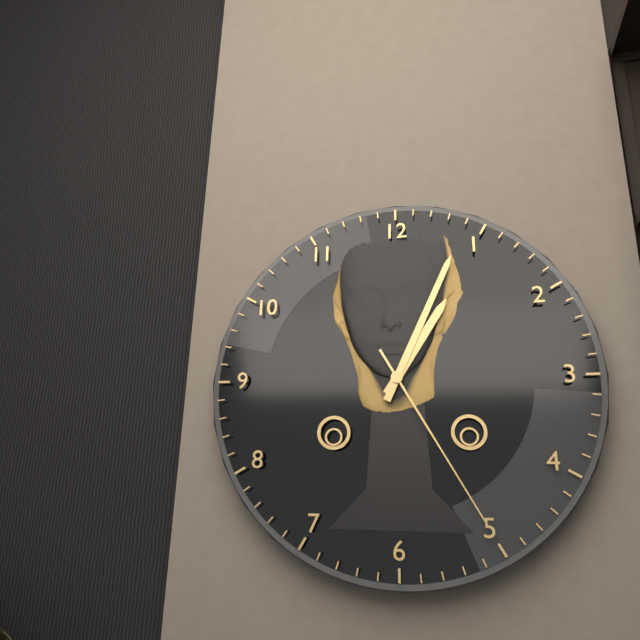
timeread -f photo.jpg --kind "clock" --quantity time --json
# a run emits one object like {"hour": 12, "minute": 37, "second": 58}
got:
{"hour": 1, "minute": 4, "second": 25}
